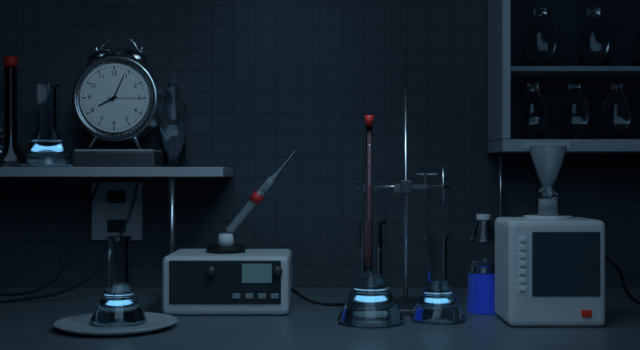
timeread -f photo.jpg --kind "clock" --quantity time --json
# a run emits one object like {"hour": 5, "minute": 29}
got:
{"hour": 8, "minute": 4}
